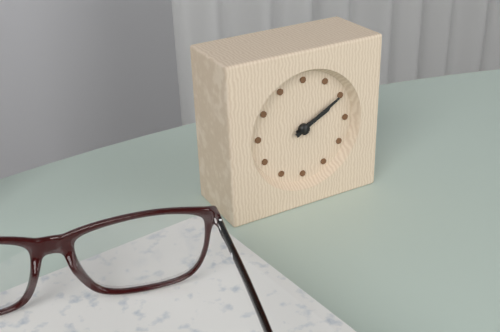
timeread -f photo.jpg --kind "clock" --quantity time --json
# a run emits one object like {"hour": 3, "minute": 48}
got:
{"hour": 2, "minute": 10}
